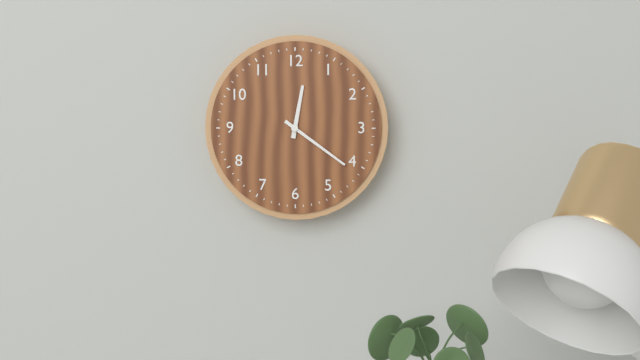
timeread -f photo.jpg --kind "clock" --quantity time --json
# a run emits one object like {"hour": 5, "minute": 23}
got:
{"hour": 12, "minute": 21}
